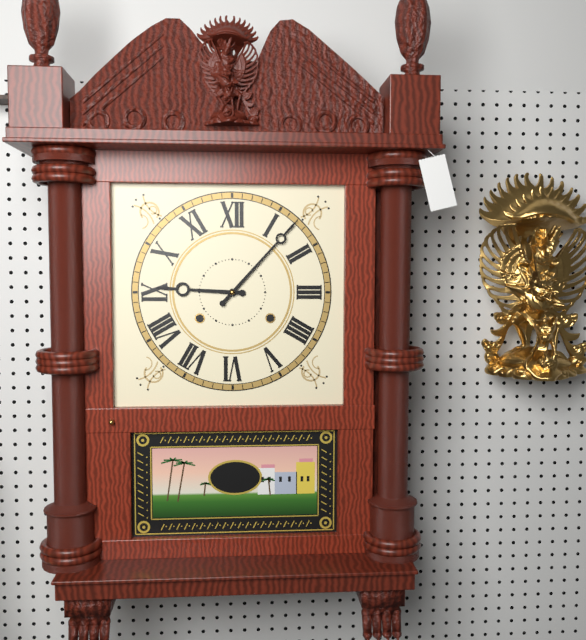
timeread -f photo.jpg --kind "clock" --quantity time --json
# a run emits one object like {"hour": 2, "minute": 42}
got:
{"hour": 9, "minute": 7}
